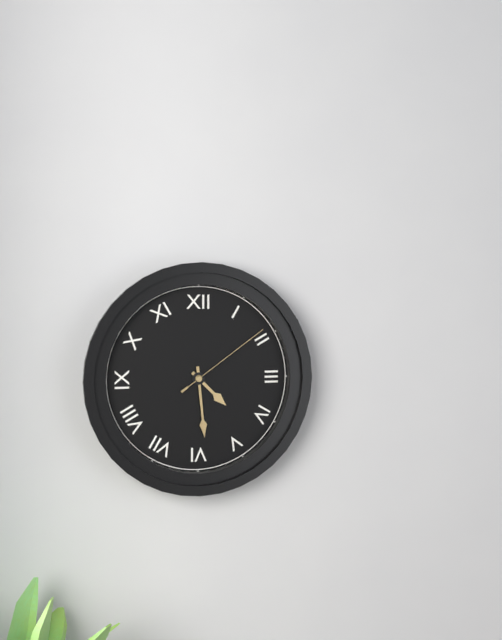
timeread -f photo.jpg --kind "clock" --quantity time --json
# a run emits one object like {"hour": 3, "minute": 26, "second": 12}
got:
{"hour": 4, "minute": 29, "second": 9}
